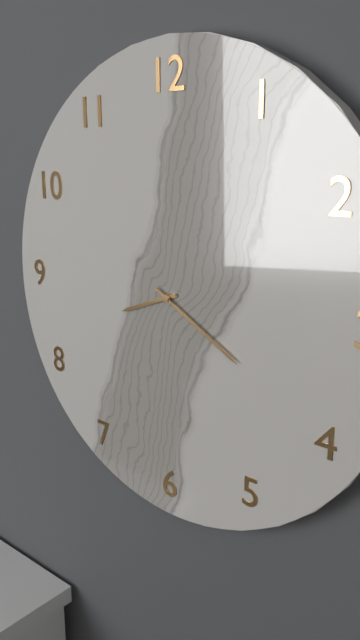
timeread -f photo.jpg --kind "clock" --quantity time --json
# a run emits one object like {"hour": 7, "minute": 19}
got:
{"hour": 8, "minute": 20}
